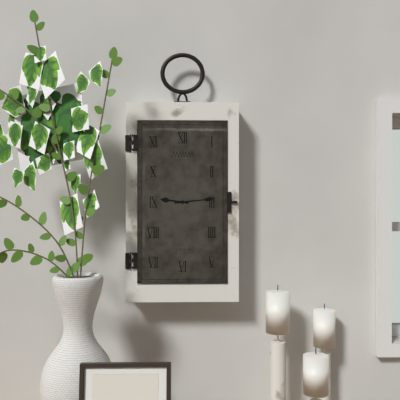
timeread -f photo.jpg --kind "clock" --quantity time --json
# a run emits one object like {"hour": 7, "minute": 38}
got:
{"hour": 9, "minute": 14}
